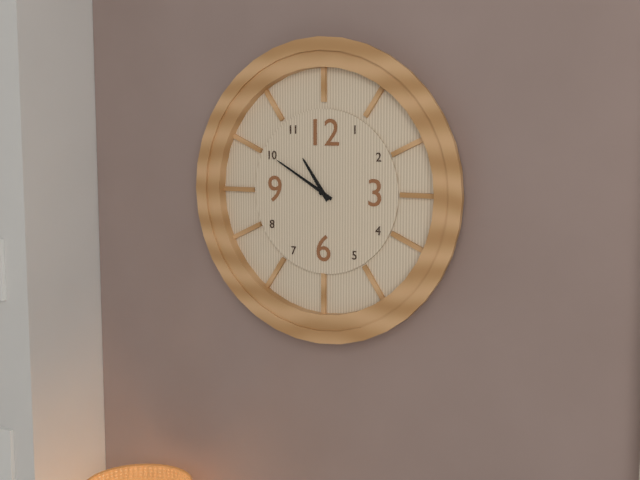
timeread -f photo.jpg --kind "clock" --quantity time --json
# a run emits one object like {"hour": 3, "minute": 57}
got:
{"hour": 10, "minute": 50}
